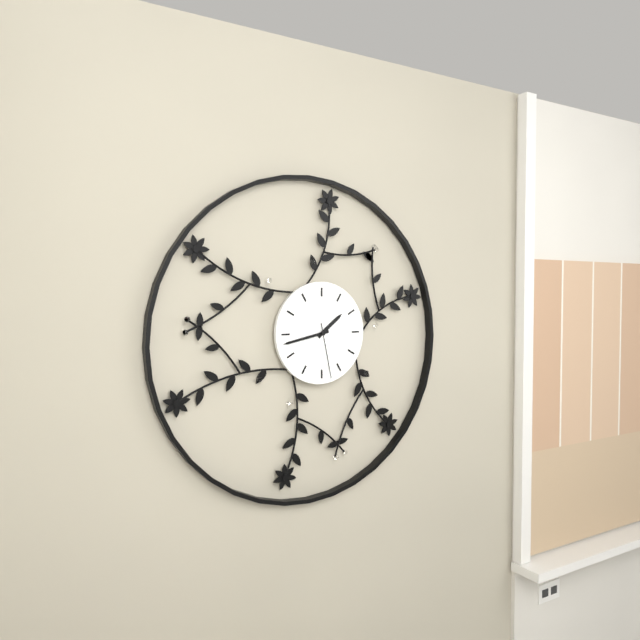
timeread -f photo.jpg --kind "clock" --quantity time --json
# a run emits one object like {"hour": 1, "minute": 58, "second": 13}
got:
{"hour": 1, "minute": 43, "second": 28}
